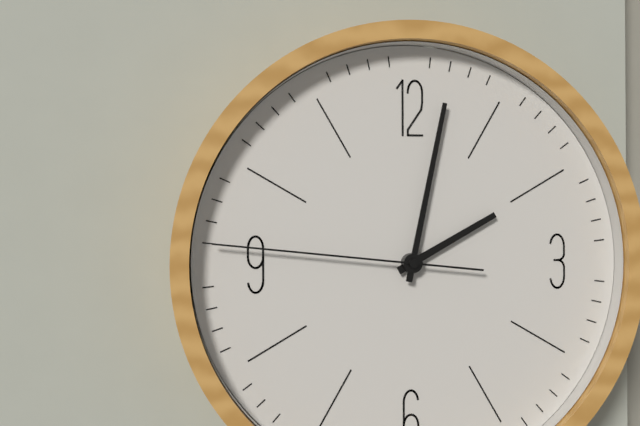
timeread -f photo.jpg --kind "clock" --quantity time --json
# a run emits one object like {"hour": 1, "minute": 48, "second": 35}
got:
{"hour": 2, "minute": 2, "second": 46}
